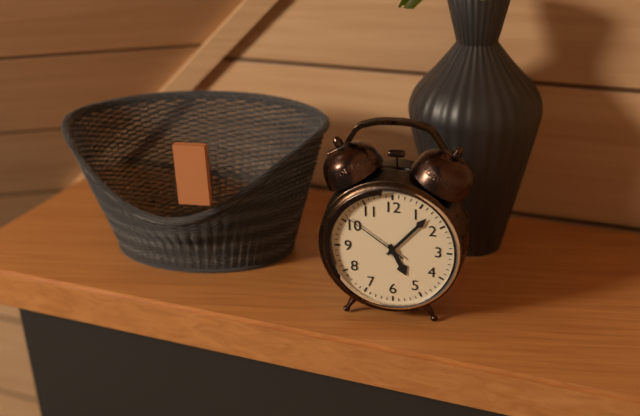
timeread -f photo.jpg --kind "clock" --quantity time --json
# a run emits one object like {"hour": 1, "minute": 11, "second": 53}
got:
{"hour": 5, "minute": 7, "second": 51}
